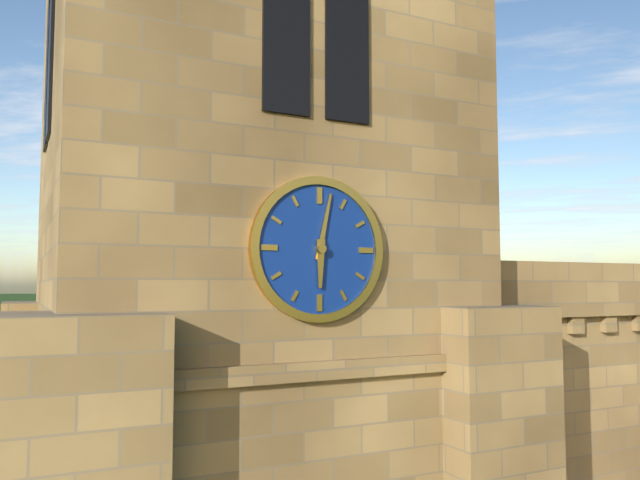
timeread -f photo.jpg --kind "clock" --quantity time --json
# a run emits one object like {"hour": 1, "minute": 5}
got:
{"hour": 6, "minute": 2}
